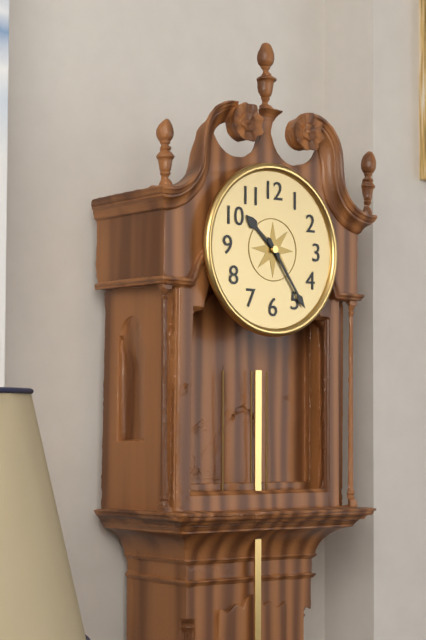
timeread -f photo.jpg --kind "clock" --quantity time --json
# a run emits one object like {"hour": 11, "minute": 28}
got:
{"hour": 10, "minute": 24}
